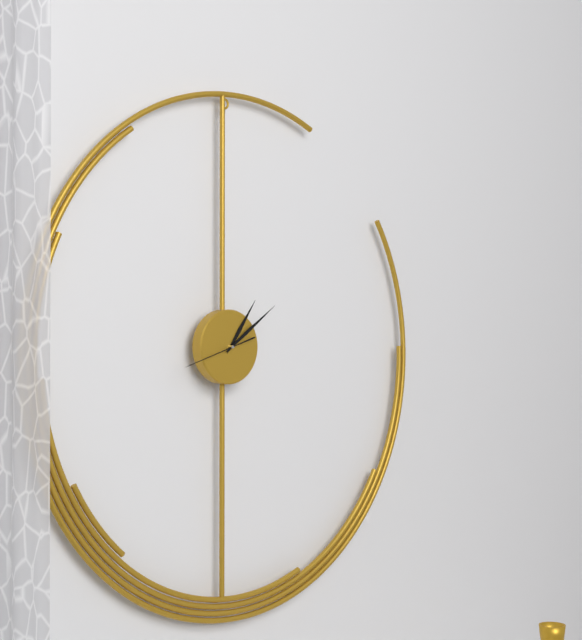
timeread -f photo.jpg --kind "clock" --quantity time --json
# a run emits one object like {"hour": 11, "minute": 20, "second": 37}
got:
{"hour": 1, "minute": 9, "second": 42}
